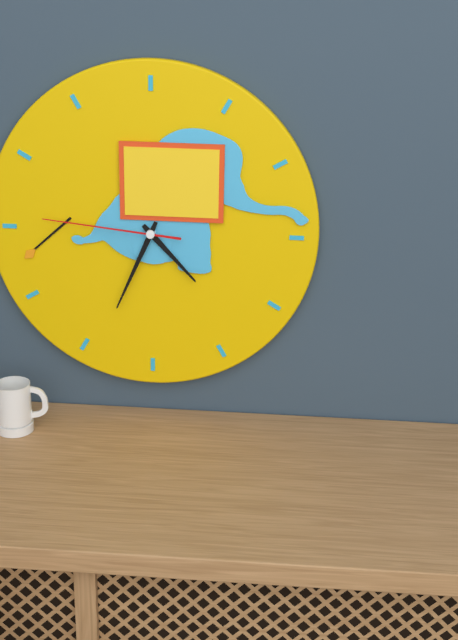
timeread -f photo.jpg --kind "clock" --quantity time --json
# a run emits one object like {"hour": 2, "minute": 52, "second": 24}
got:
{"hour": 4, "minute": 34, "second": 46}
